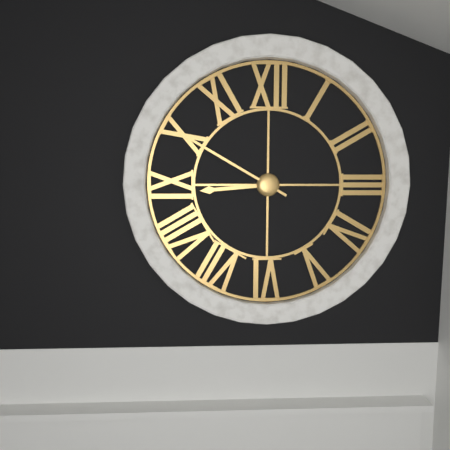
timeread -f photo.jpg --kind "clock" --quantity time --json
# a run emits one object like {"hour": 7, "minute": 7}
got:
{"hour": 8, "minute": 50}
